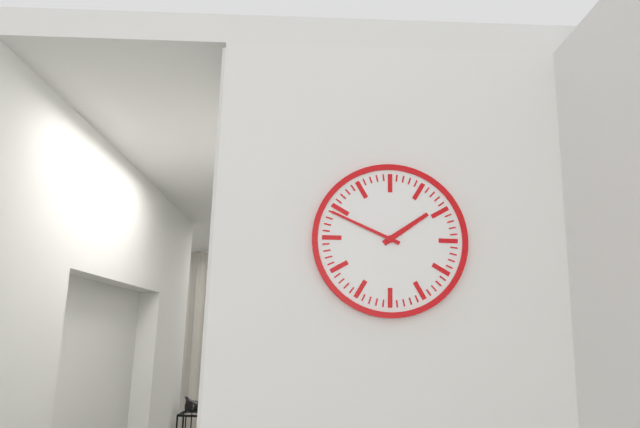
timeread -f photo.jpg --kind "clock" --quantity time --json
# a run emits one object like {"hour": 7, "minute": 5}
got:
{"hour": 1, "minute": 49}
